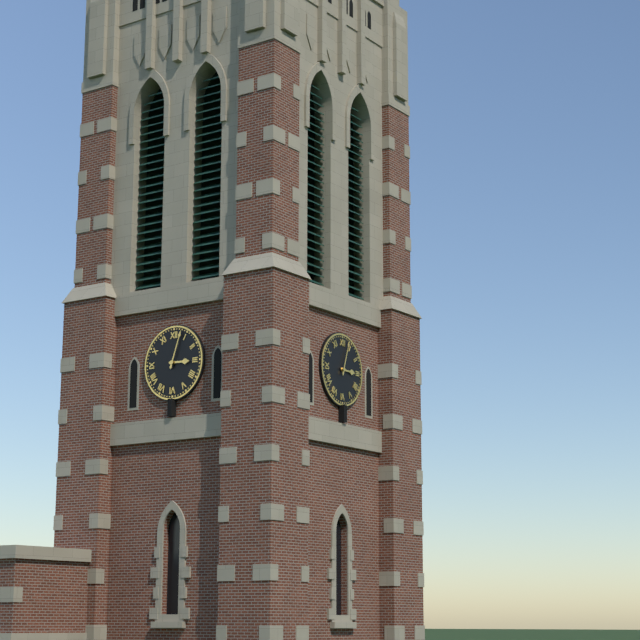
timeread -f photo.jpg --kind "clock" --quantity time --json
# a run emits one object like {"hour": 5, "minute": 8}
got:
{"hour": 3, "minute": 3}
